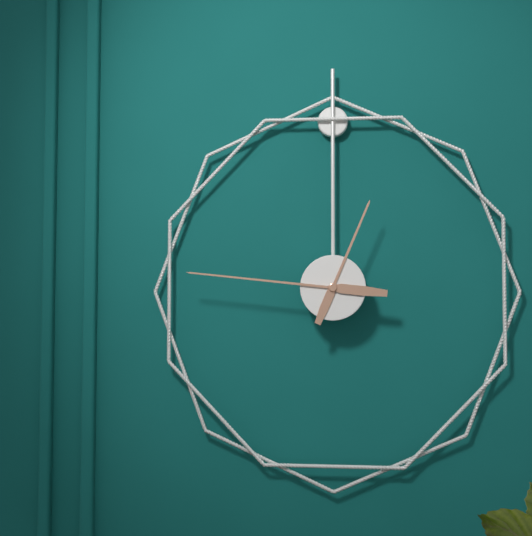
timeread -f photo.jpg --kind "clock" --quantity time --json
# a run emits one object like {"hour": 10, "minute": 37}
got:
{"hour": 12, "minute": 46}
